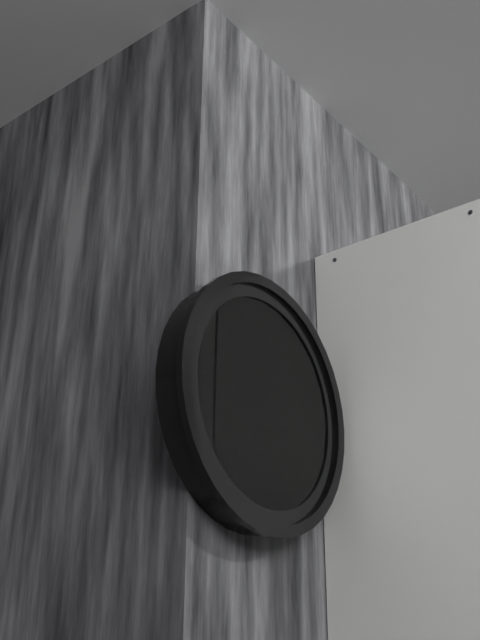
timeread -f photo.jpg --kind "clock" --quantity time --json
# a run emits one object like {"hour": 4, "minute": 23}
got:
{"hour": 8, "minute": 20}
